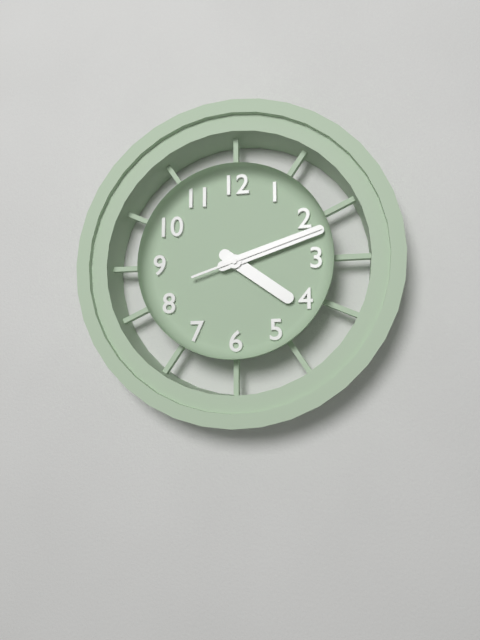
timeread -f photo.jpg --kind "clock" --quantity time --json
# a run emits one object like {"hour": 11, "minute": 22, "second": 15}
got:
{"hour": 4, "minute": 12, "second": 12}
